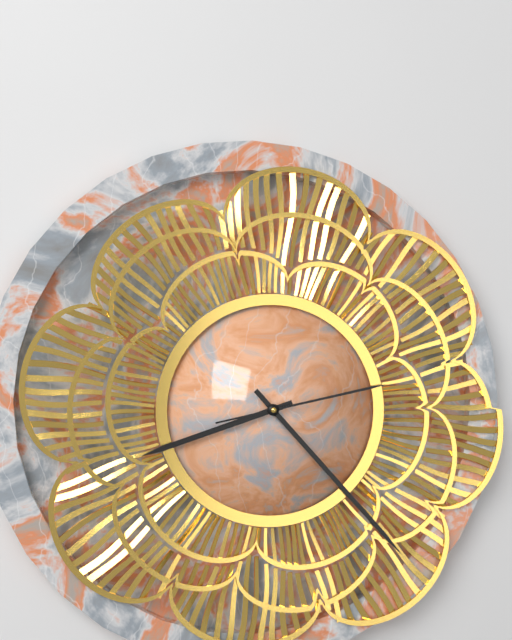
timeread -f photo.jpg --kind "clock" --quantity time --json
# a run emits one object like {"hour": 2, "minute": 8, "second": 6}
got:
{"hour": 8, "minute": 23, "second": 13}
